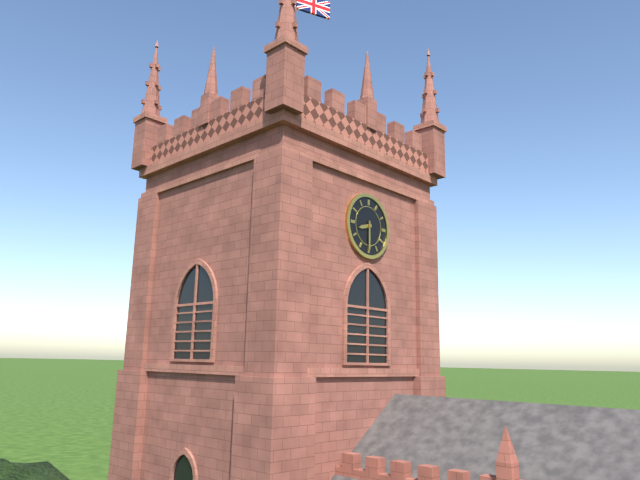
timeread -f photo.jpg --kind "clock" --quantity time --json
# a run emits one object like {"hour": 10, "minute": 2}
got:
{"hour": 8, "minute": 30}
